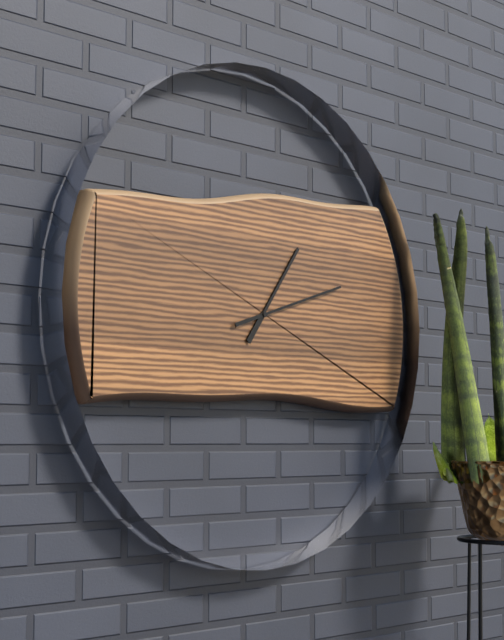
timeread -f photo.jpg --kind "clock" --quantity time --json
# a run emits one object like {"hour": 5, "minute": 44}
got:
{"hour": 1, "minute": 12}
